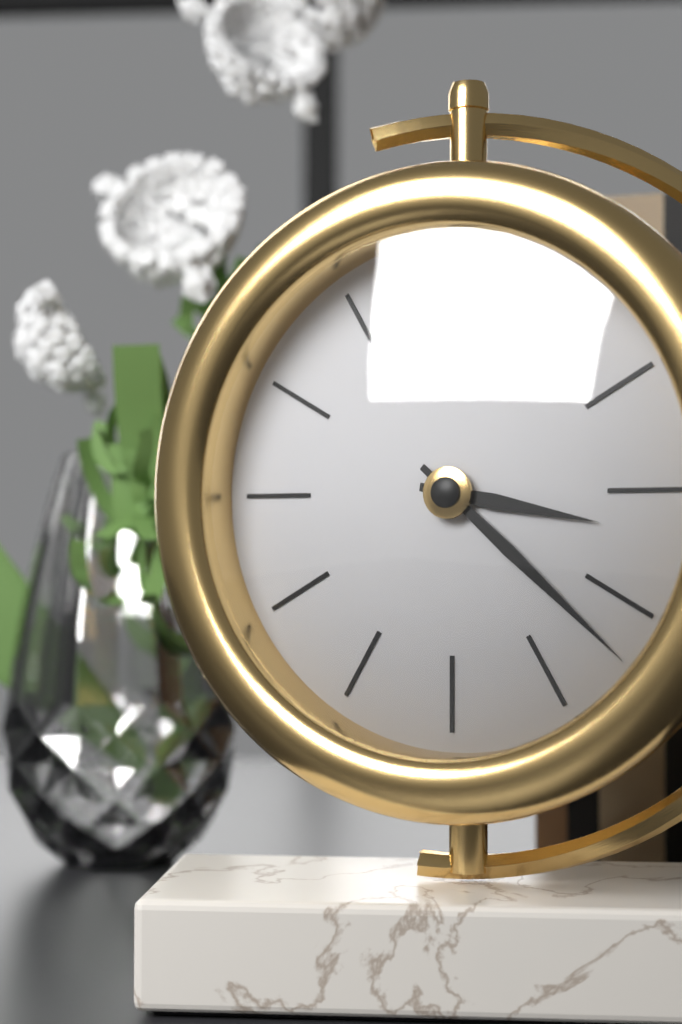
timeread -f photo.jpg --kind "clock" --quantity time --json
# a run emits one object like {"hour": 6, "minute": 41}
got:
{"hour": 3, "minute": 22}
